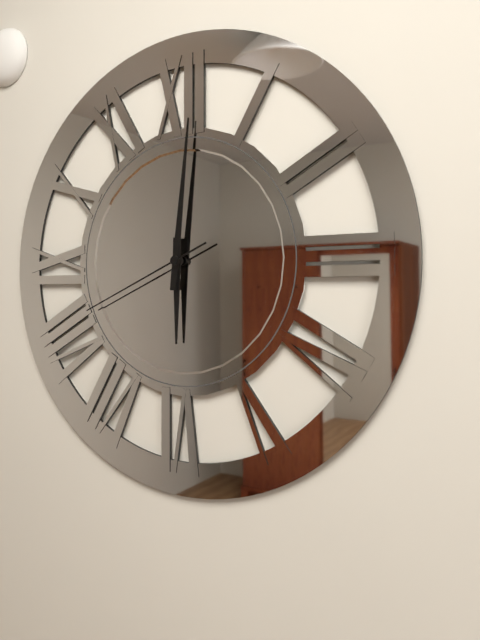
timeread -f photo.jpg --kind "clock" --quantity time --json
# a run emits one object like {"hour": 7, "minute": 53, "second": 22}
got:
{"hour": 6, "minute": 1, "second": 41}
